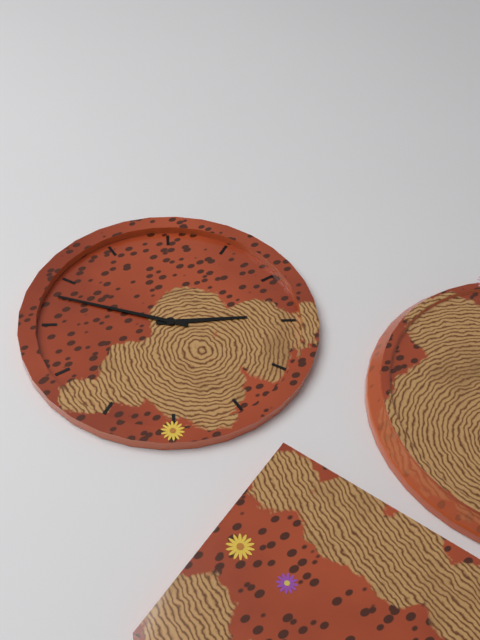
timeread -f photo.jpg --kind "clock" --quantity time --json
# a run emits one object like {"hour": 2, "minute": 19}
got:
{"hour": 3, "minute": 53}
